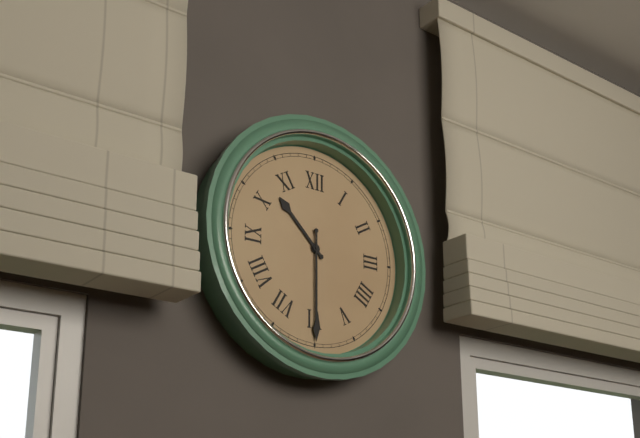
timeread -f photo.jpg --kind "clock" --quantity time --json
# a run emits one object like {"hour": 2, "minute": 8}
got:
{"hour": 10, "minute": 30}
